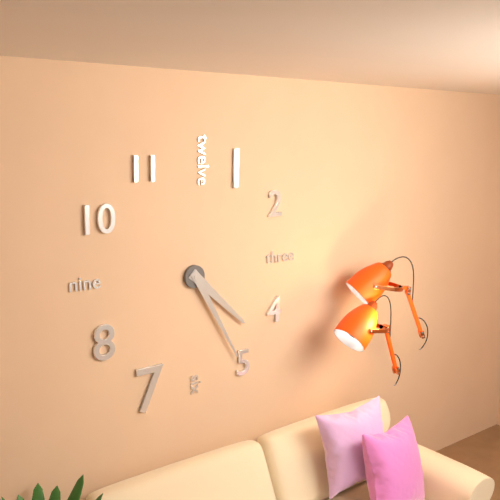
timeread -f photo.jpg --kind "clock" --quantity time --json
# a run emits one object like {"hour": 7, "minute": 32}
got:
{"hour": 4, "minute": 25}
